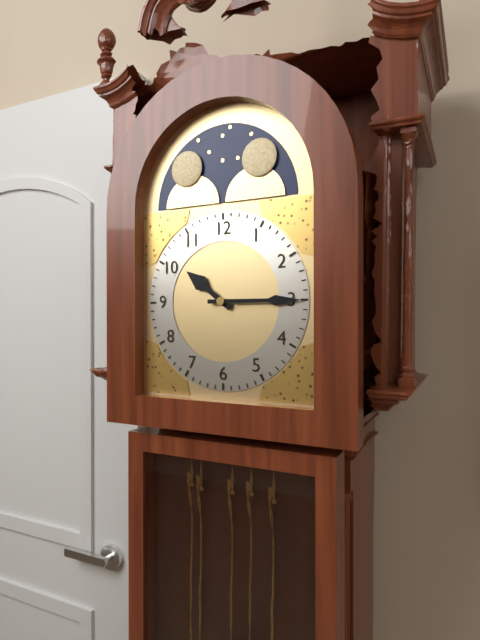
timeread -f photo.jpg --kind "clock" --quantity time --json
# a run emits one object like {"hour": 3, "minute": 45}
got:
{"hour": 10, "minute": 15}
